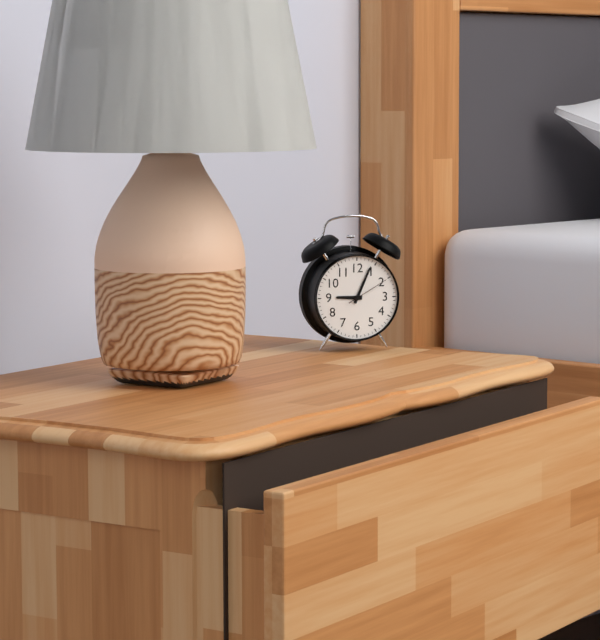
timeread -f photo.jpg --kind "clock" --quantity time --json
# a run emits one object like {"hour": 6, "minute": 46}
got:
{"hour": 9, "minute": 4}
